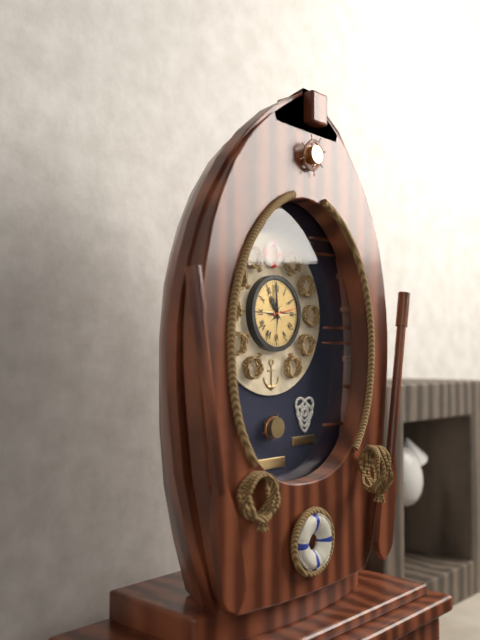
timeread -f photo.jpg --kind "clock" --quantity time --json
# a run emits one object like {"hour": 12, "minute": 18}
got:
{"hour": 10, "minute": 59}
